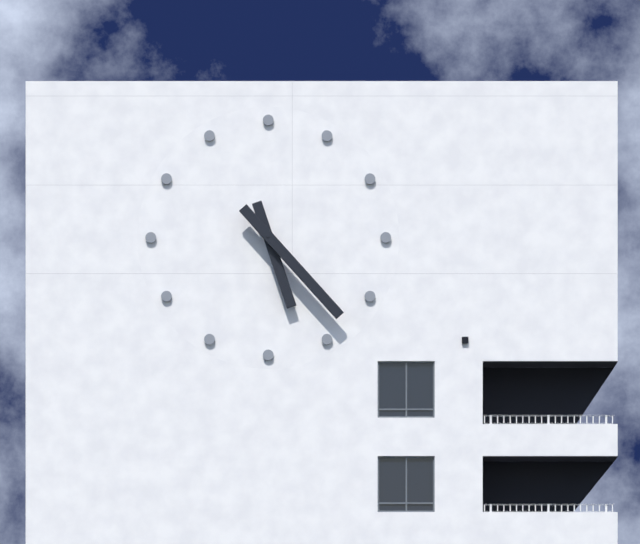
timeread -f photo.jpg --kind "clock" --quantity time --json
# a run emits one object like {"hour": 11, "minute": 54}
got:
{"hour": 5, "minute": 23}
